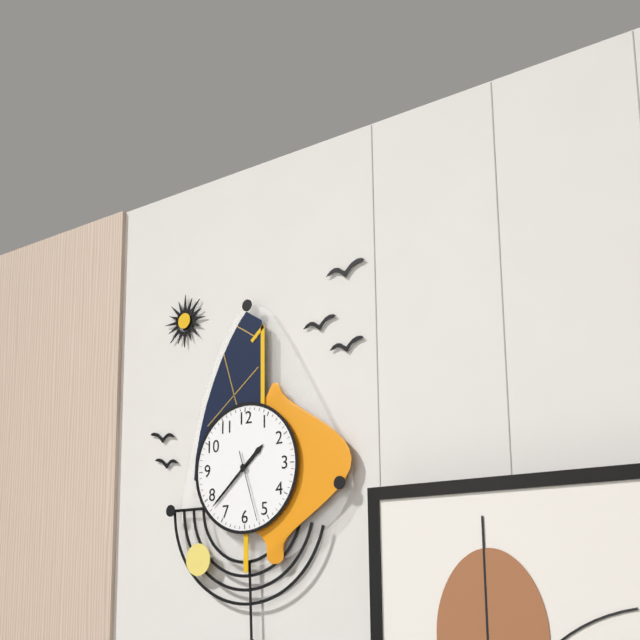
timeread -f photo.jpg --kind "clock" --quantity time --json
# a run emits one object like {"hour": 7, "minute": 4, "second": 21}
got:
{"hour": 1, "minute": 38, "second": 27}
